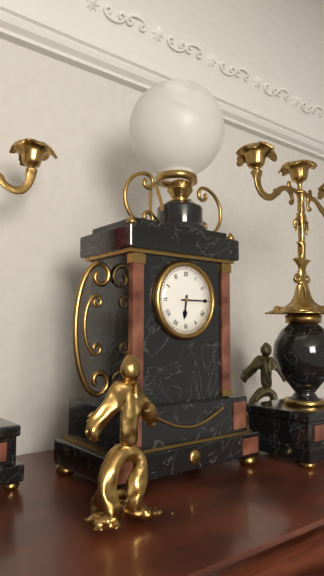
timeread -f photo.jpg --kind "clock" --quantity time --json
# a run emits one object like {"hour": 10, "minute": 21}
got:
{"hour": 6, "minute": 15}
